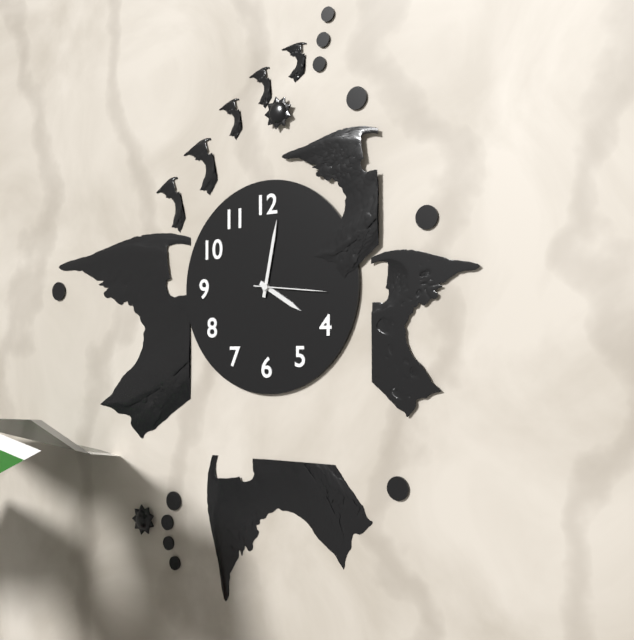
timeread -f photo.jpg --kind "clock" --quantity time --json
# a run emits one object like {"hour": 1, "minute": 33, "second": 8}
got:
{"hour": 4, "minute": 2, "second": 16}
